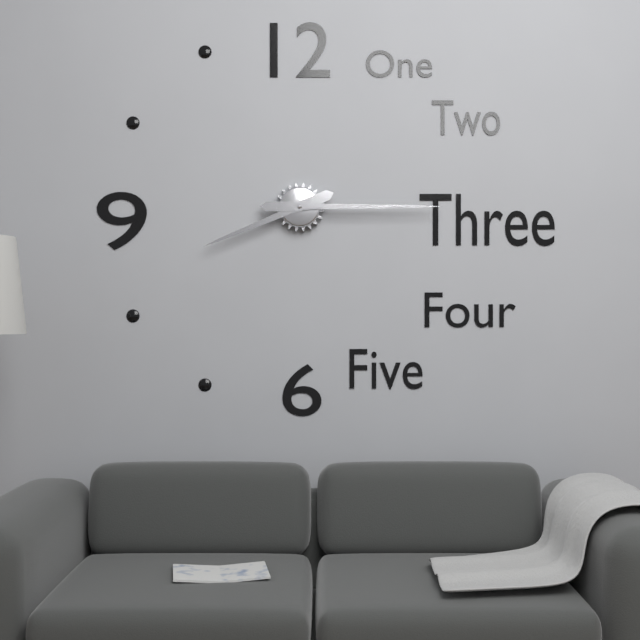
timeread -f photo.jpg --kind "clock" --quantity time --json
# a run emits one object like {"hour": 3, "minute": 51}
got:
{"hour": 8, "minute": 15}
